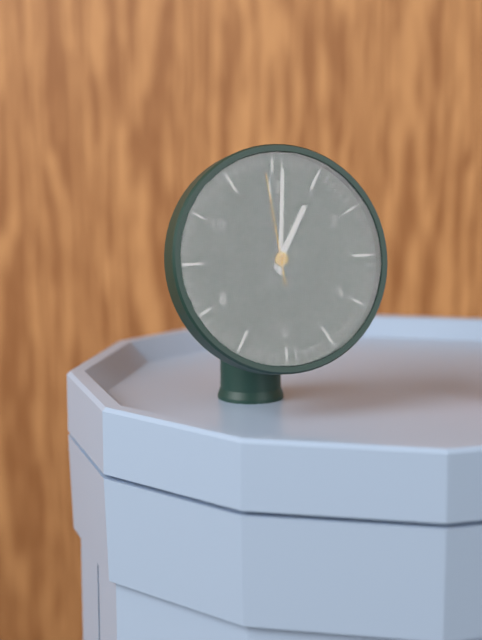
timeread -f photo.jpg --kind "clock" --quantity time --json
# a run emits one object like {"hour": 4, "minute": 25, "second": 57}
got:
{"hour": 1, "minute": 1, "second": 59}
